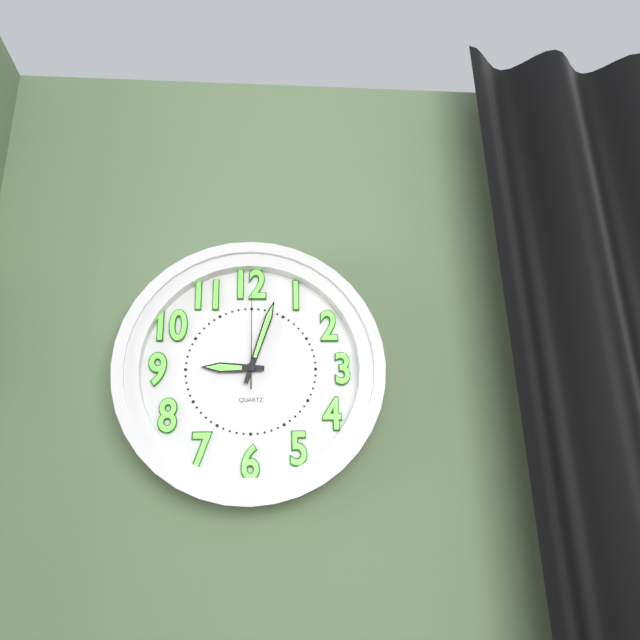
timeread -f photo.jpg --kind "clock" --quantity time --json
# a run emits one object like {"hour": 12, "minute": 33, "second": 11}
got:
{"hour": 9, "minute": 3, "second": 0}
